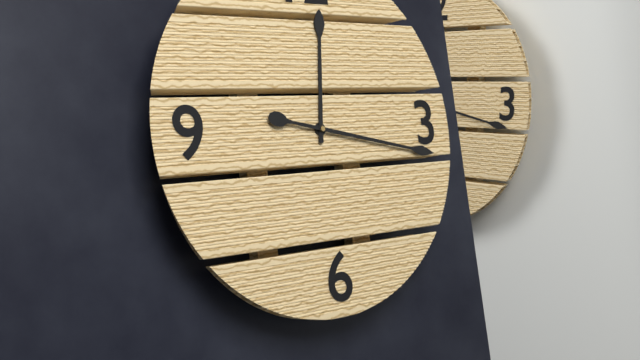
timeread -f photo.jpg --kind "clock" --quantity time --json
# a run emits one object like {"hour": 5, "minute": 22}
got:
{"hour": 12, "minute": 17}
